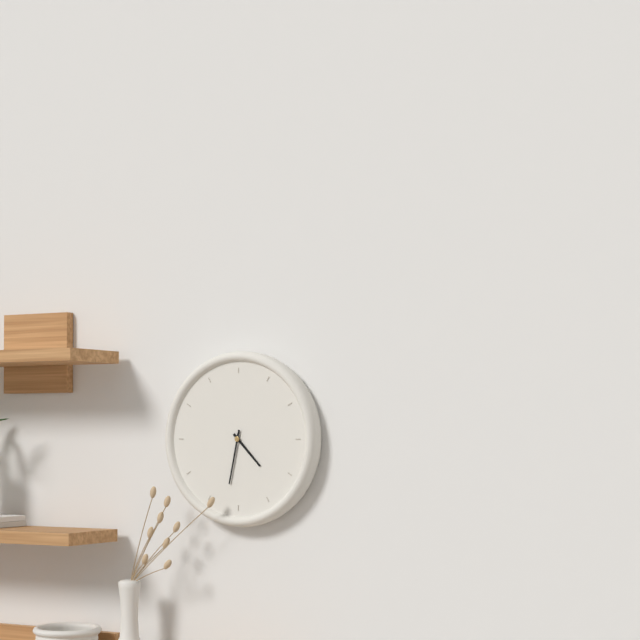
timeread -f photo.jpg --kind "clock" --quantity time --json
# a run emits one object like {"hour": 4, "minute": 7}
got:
{"hour": 4, "minute": 32}
